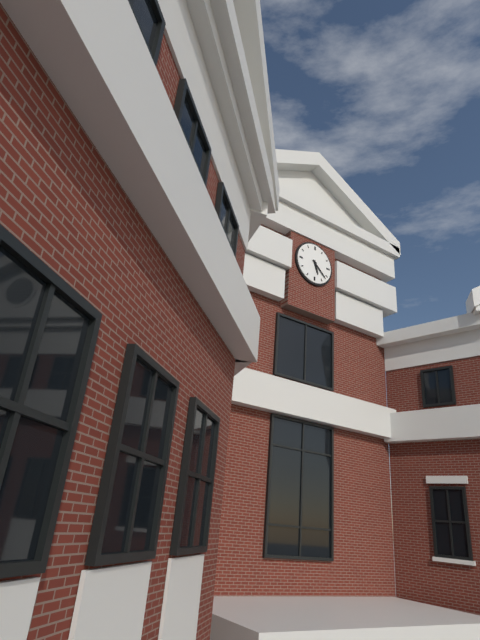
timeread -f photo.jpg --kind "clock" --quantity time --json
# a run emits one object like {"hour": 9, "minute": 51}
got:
{"hour": 5, "minute": 22}
